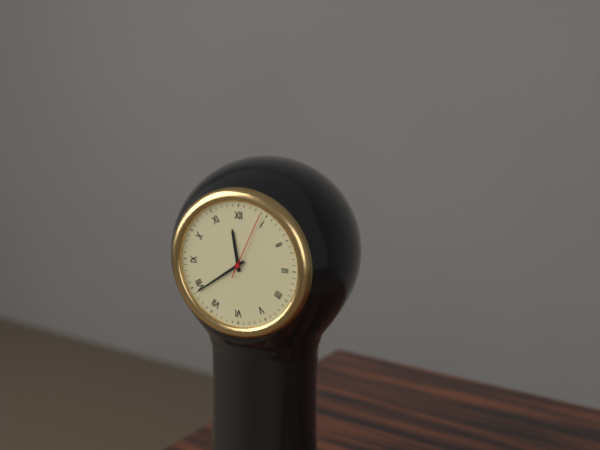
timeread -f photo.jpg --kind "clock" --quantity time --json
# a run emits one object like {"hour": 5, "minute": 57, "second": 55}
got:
{"hour": 11, "minute": 39, "second": 4}
